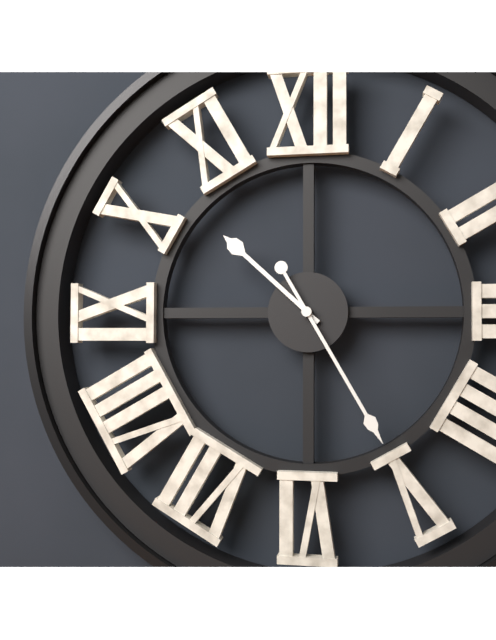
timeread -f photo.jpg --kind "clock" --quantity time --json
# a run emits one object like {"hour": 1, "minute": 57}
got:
{"hour": 10, "minute": 25}
